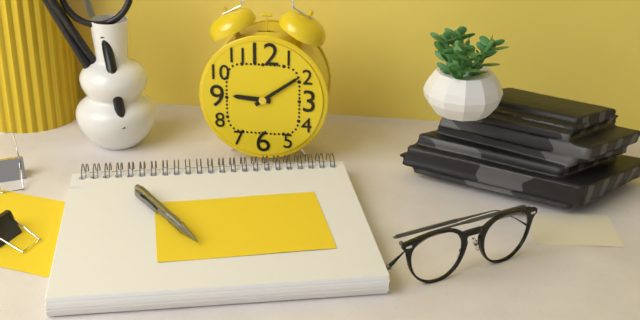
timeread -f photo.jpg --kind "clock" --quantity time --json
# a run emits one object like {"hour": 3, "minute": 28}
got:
{"hour": 9, "minute": 9}
